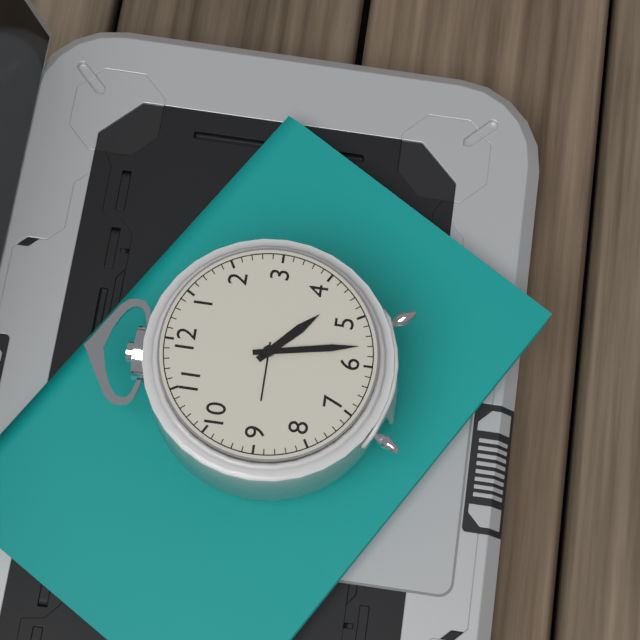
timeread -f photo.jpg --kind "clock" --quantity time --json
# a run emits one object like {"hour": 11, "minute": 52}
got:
{"hour": 4, "minute": 28}
